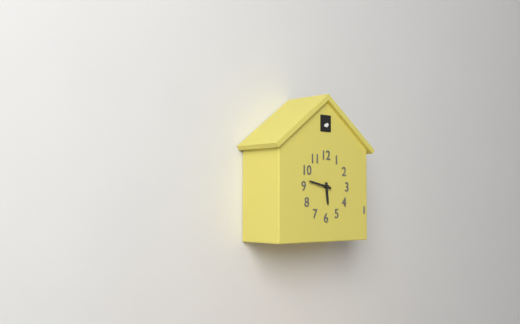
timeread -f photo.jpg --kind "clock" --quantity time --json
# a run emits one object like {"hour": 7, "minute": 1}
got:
{"hour": 5, "minute": 47}
